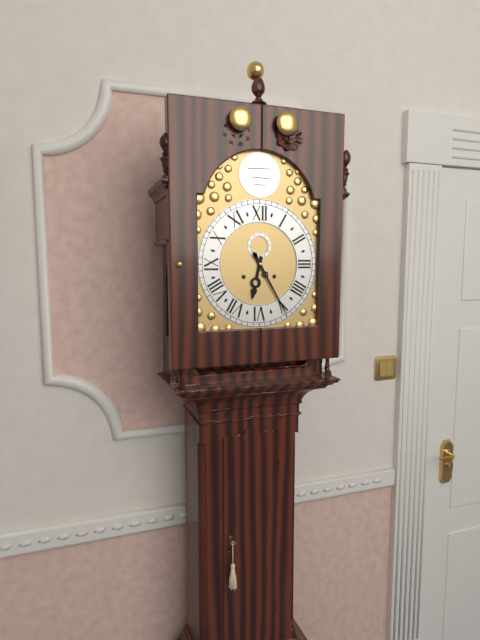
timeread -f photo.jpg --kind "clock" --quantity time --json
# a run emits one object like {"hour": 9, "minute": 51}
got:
{"hour": 6, "minute": 25}
